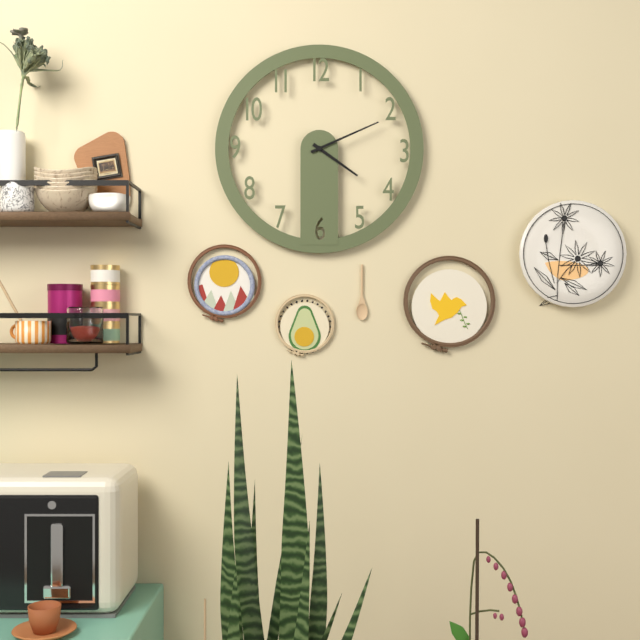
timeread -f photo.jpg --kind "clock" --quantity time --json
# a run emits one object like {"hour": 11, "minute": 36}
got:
{"hour": 4, "minute": 11}
